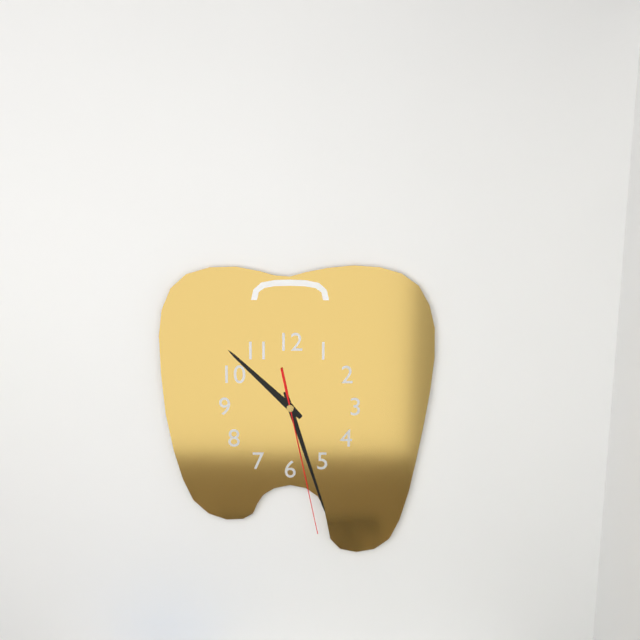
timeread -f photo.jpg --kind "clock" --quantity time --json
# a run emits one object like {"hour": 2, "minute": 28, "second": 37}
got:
{"hour": 10, "minute": 27, "second": 28}
